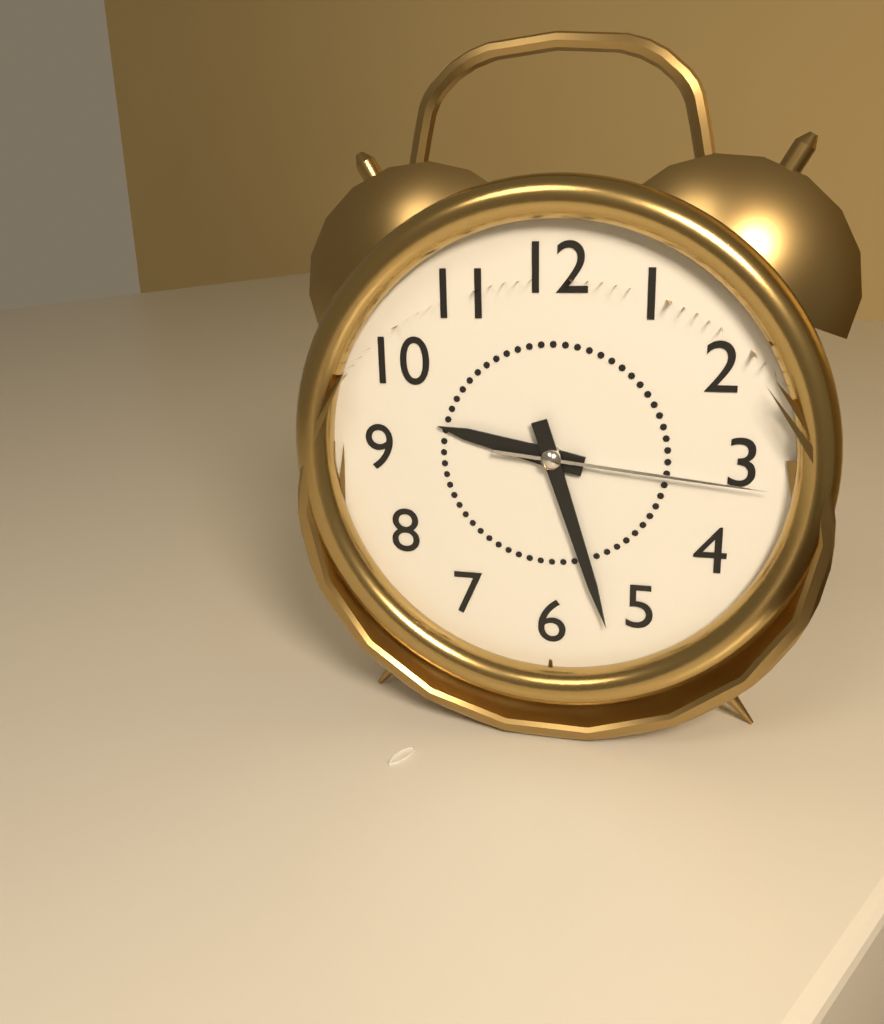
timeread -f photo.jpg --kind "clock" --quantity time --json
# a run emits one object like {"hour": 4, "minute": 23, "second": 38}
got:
{"hour": 9, "minute": 27, "second": 16}
